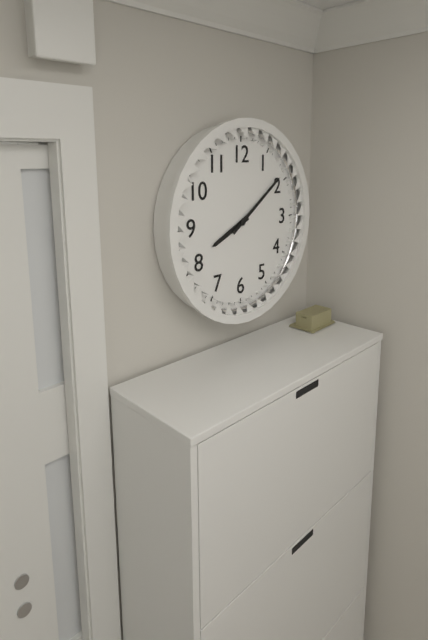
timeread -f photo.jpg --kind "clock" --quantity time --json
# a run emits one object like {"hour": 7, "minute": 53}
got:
{"hour": 8, "minute": 9}
